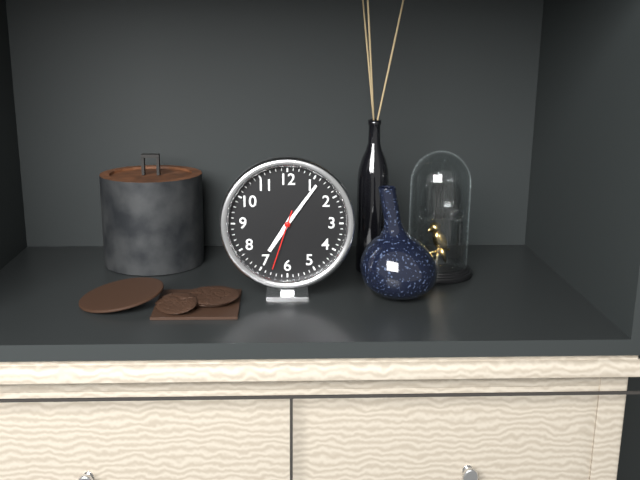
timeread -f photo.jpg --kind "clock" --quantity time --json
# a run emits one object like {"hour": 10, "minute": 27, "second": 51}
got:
{"hour": 7, "minute": 6, "second": 33}
